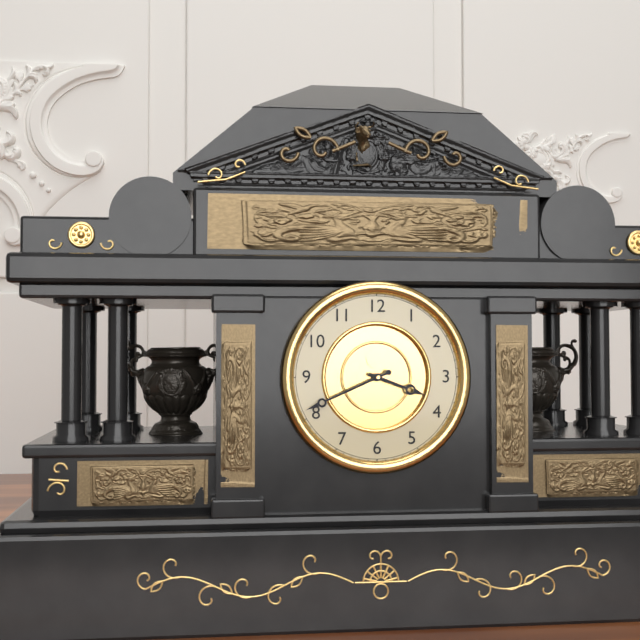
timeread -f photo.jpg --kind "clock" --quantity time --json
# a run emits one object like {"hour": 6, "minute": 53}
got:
{"hour": 3, "minute": 41}
